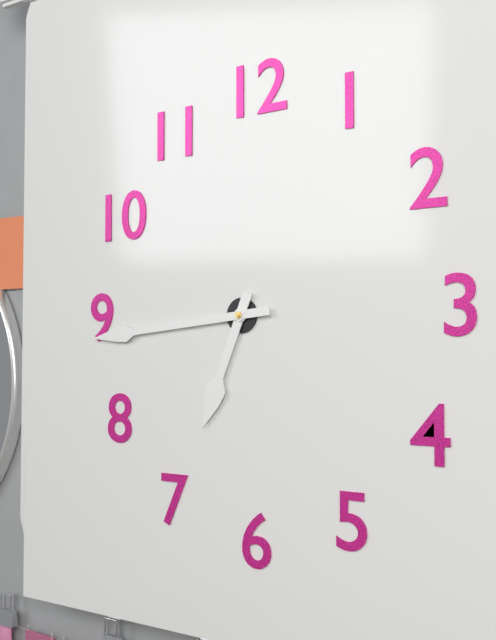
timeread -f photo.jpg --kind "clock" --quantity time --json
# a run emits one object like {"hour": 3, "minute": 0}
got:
{"hour": 6, "minute": 44}
